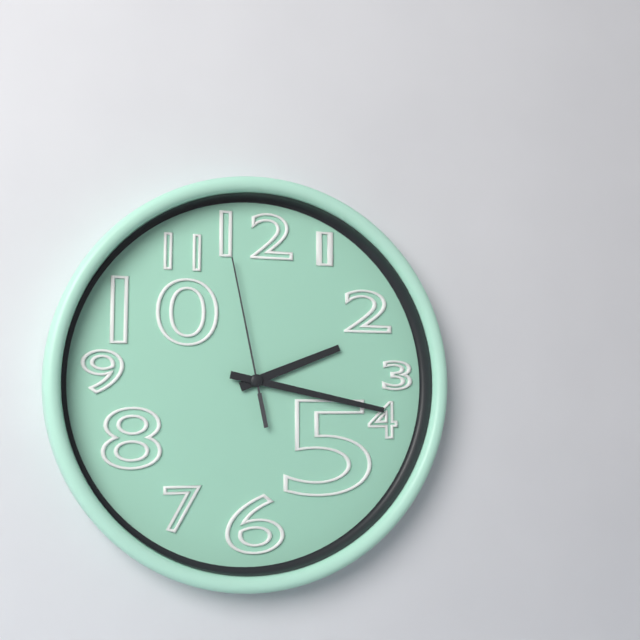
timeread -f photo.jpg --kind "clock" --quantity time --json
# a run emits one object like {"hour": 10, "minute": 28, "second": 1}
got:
{"hour": 2, "minute": 17, "second": 58}
